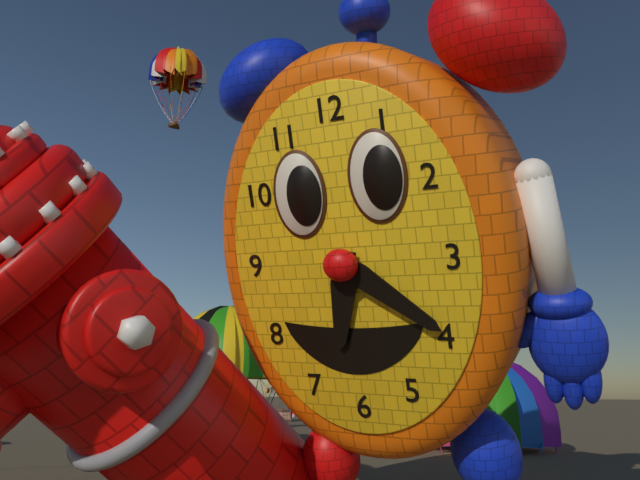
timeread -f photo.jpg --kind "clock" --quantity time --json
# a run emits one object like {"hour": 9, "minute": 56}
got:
{"hour": 6, "minute": 21}
